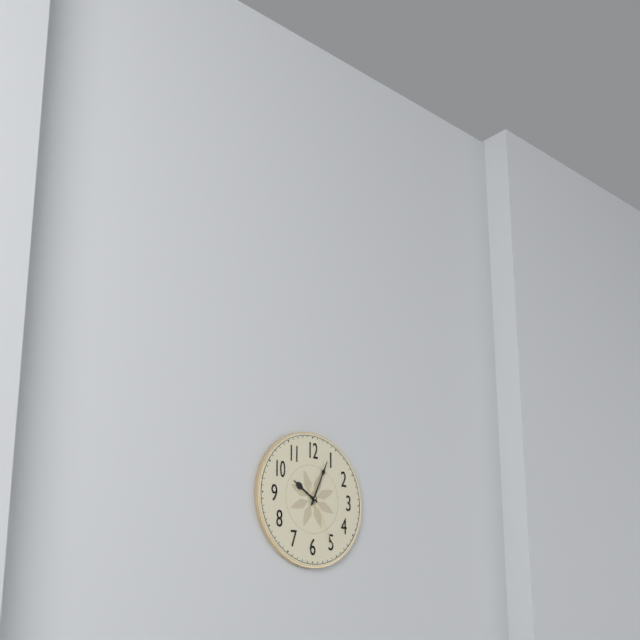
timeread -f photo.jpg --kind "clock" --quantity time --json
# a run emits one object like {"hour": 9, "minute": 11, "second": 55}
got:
{"hour": 10, "minute": 4, "second": 25}
